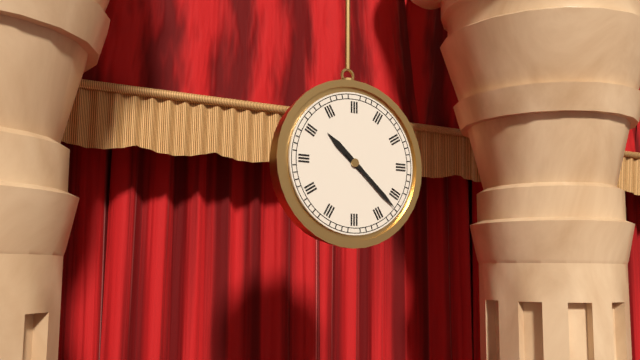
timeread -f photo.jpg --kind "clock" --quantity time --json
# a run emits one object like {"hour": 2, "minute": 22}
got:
{"hour": 10, "minute": 22}
